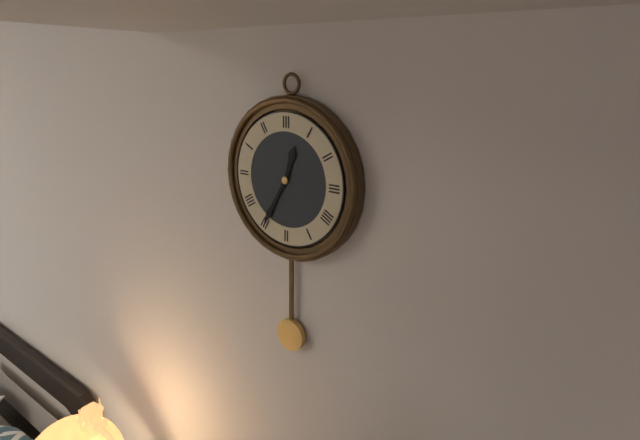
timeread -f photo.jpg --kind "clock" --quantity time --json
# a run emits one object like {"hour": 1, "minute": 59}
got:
{"hour": 12, "minute": 35}
